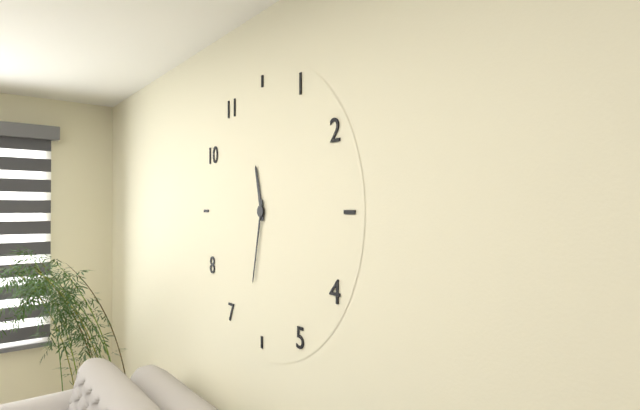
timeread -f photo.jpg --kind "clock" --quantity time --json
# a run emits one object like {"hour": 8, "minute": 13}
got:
{"hour": 11, "minute": 32}
